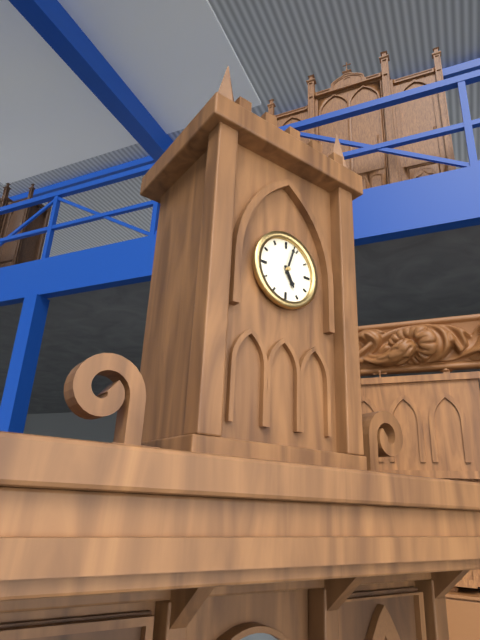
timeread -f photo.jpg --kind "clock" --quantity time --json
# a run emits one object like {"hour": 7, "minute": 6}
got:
{"hour": 5, "minute": 3}
